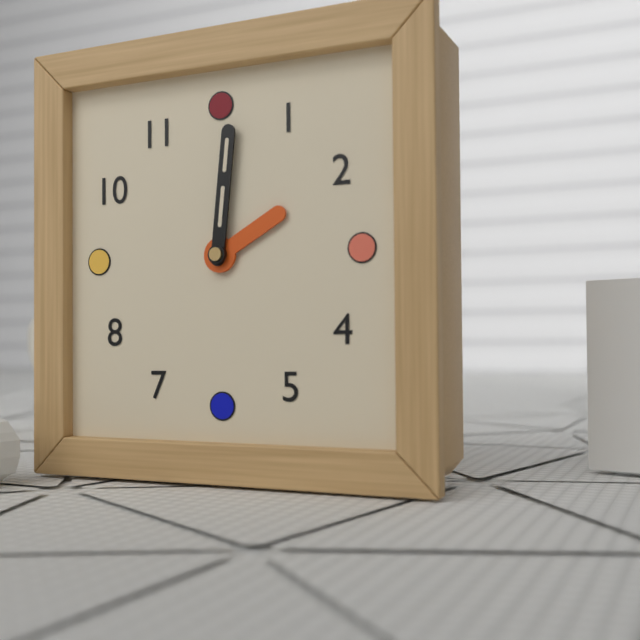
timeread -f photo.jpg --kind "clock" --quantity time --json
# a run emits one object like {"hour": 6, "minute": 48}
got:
{"hour": 2, "minute": 1}
